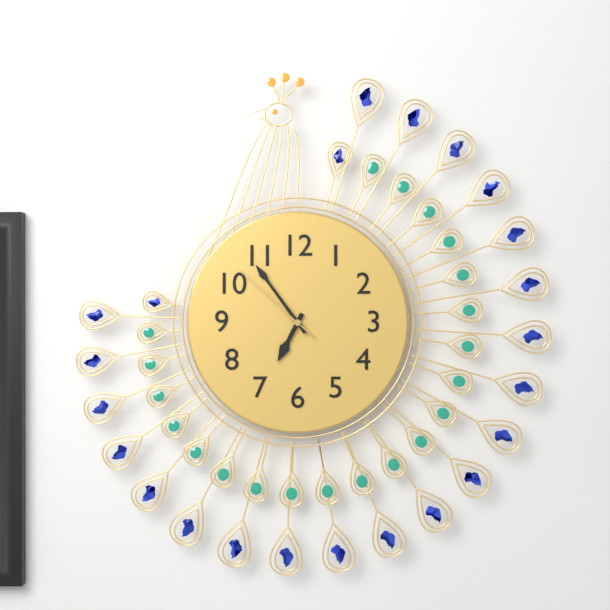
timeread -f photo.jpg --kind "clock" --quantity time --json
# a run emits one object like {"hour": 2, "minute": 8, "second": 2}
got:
{"hour": 6, "minute": 54, "second": 52}
